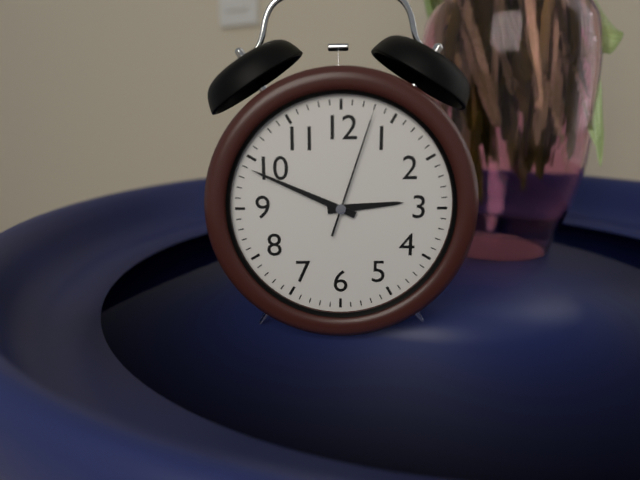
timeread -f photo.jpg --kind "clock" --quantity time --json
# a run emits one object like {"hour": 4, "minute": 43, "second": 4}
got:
{"hour": 2, "minute": 49, "second": 3}
